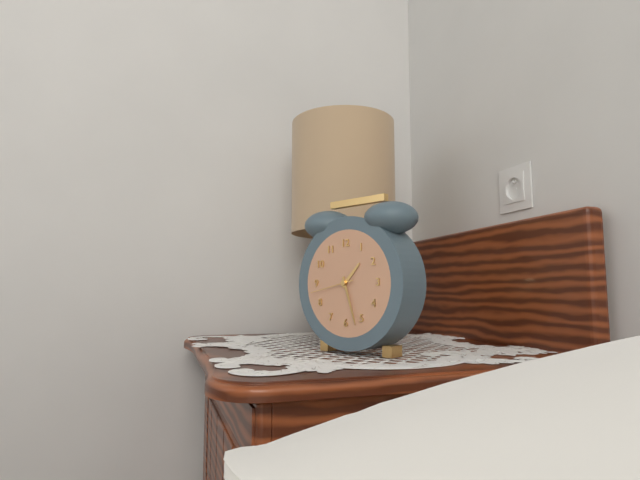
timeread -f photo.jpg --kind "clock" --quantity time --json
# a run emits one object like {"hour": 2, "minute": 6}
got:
{"hour": 1, "minute": 27}
